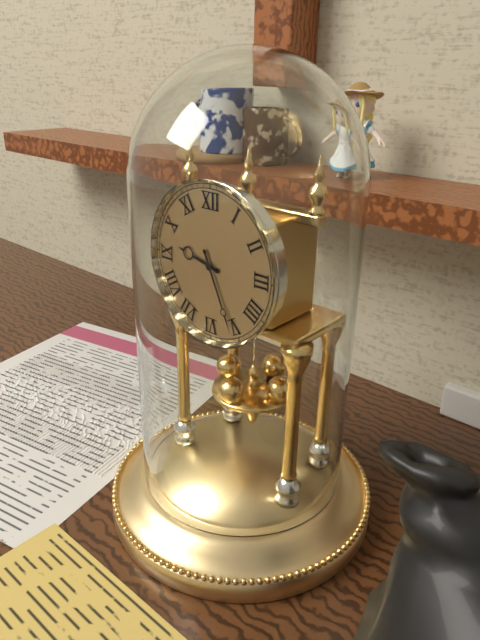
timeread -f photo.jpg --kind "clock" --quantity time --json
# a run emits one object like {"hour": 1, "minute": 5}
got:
{"hour": 9, "minute": 26}
